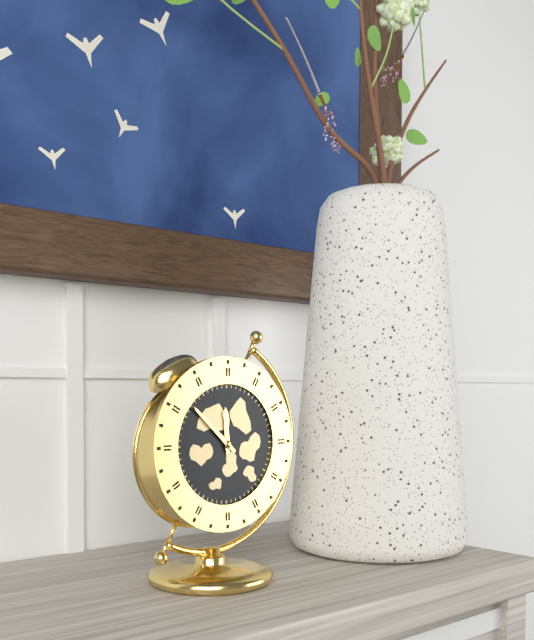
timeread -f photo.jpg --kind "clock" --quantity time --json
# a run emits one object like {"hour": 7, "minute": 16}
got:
{"hour": 11, "minute": 52}
